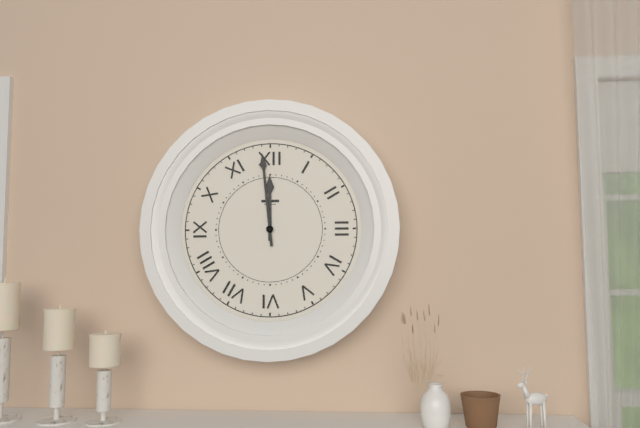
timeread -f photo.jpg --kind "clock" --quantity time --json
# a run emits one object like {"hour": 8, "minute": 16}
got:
{"hour": 11, "minute": 59}
